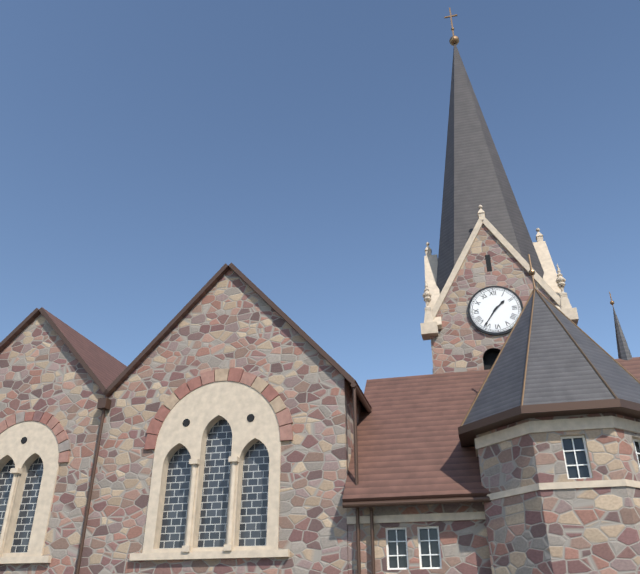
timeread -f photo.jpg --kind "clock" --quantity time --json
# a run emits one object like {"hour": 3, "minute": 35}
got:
{"hour": 1, "minute": 36}
